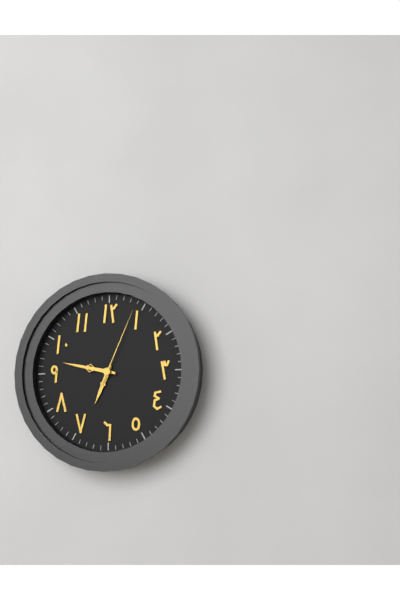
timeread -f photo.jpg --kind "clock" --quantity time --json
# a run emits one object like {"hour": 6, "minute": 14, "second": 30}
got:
{"hour": 6, "minute": 47, "second": 4}
